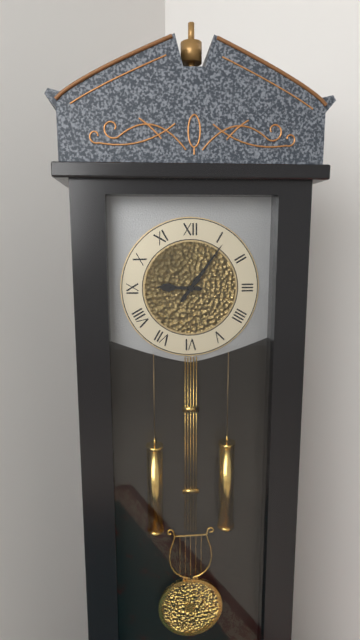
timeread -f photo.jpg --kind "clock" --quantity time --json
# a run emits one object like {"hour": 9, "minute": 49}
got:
{"hour": 9, "minute": 6}
